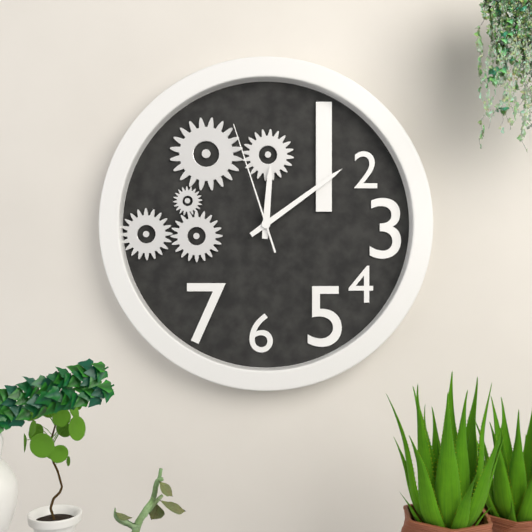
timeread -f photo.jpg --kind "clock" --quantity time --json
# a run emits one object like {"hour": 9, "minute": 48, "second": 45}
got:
{"hour": 12, "minute": 9, "second": 57}
